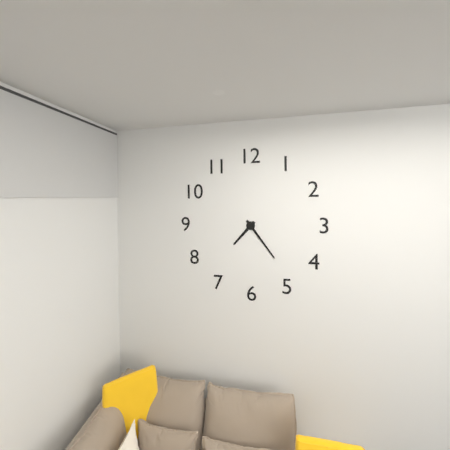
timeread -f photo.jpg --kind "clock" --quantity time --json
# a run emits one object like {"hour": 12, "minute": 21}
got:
{"hour": 7, "minute": 24}
